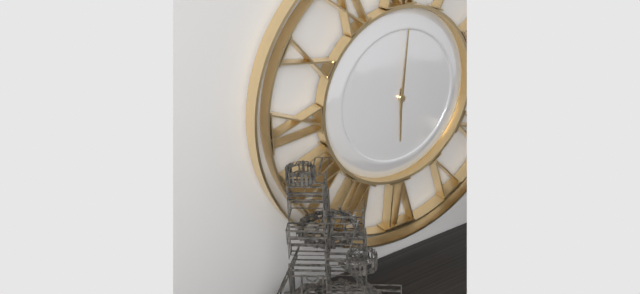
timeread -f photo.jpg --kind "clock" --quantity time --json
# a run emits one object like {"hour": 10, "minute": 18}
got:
{"hour": 6, "minute": 1}
